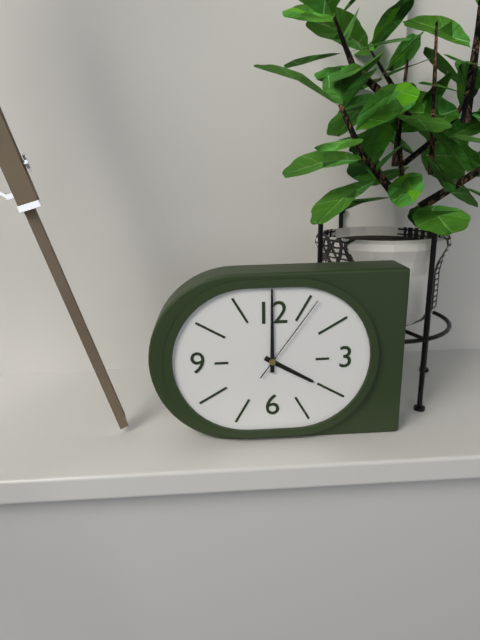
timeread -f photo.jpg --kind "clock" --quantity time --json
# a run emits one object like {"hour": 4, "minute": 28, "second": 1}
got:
{"hour": 4, "minute": 0, "second": 6}
